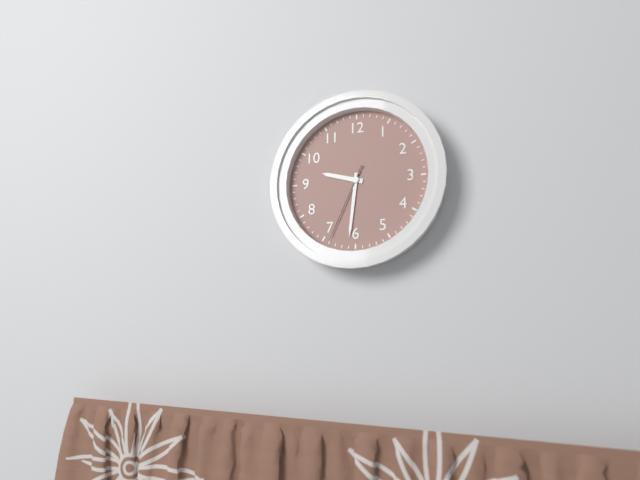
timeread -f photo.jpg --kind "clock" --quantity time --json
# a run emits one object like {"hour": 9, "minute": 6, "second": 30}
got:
{"hour": 9, "minute": 31, "second": 34}
